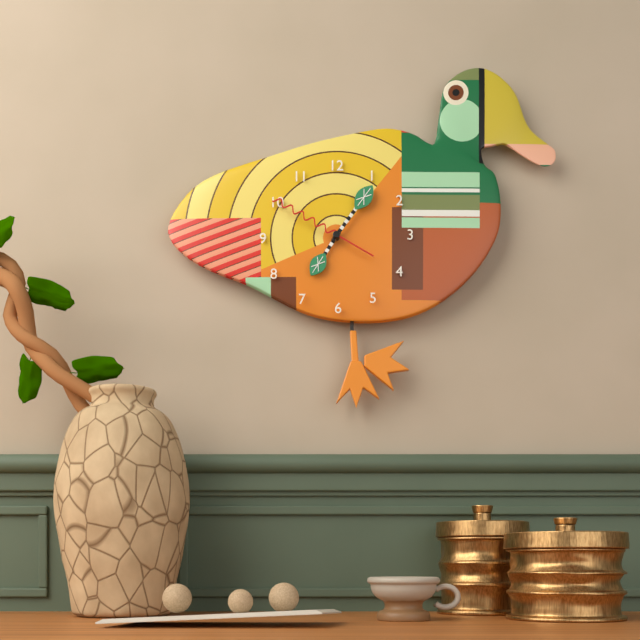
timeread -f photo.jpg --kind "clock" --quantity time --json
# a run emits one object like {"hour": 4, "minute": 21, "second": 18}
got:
{"hour": 7, "minute": 6, "second": 50}
